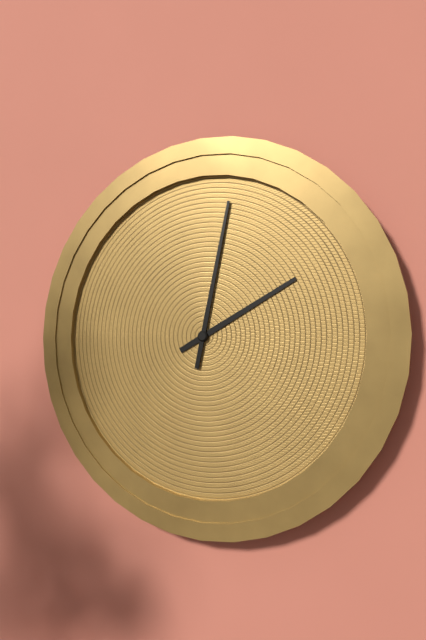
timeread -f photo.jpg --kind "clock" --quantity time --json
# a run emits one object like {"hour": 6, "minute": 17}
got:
{"hour": 2, "minute": 2}
